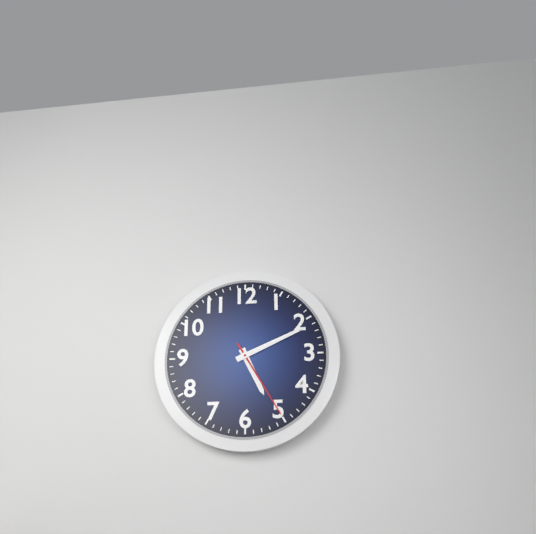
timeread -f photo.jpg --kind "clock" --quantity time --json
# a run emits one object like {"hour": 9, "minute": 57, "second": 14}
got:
{"hour": 5, "minute": 11, "second": 25}
